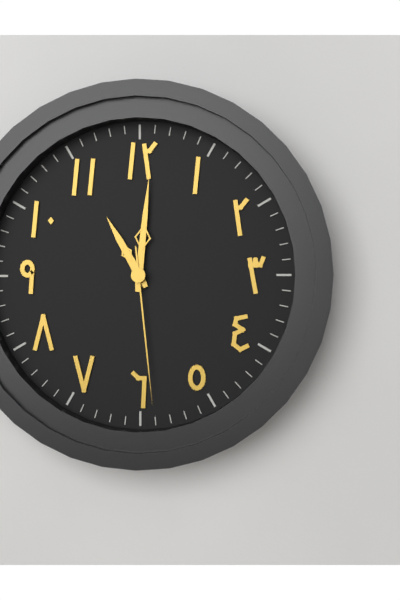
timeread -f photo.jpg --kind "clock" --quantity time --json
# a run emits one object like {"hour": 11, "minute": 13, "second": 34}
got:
{"hour": 11, "minute": 1, "second": 29}
